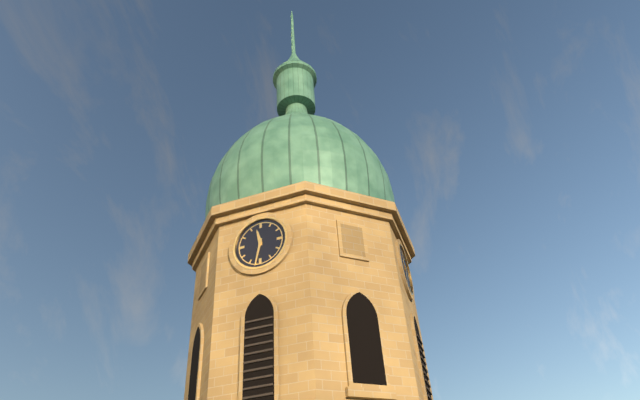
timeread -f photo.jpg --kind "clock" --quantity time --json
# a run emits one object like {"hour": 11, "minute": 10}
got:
{"hour": 11, "minute": 32}
